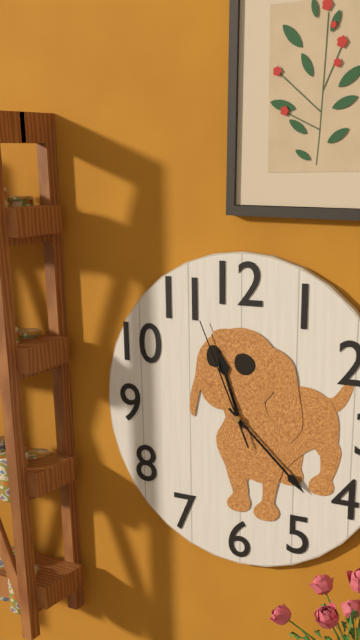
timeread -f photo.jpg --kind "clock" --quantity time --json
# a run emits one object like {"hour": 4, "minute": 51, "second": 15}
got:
{"hour": 11, "minute": 22, "second": 56}
